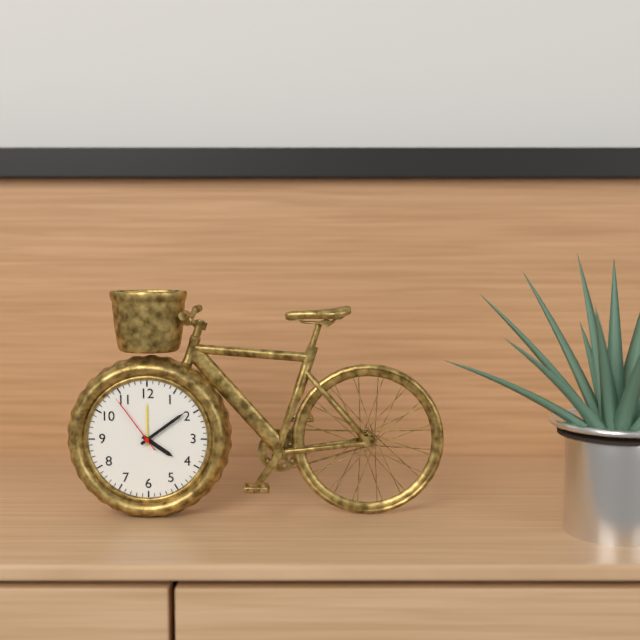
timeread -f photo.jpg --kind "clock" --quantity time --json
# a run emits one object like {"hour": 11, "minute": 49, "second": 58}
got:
{"hour": 4, "minute": 9, "second": 54}
